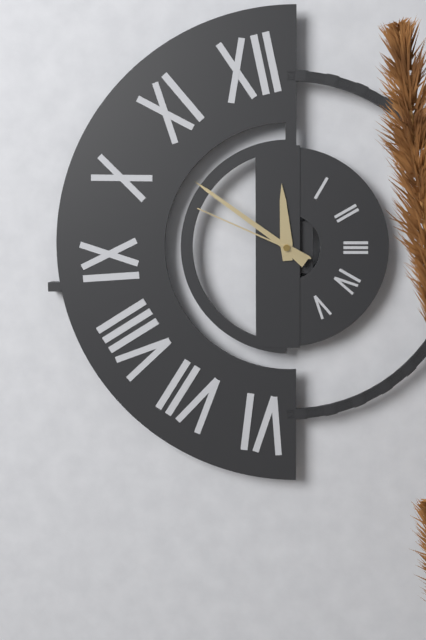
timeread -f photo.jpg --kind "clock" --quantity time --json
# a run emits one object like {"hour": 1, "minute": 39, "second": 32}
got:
{"hour": 11, "minute": 51, "second": 49}
